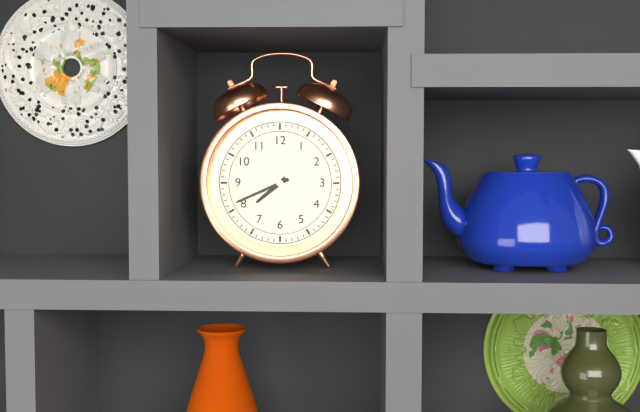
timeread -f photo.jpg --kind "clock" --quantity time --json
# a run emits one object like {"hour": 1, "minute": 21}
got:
{"hour": 7, "minute": 41}
